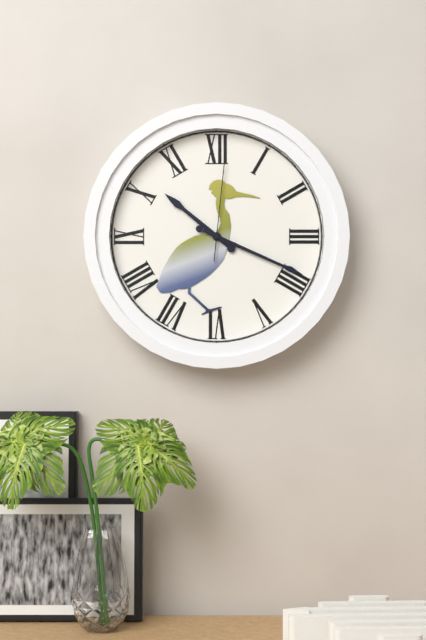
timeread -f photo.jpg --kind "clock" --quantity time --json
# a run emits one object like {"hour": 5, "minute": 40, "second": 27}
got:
{"hour": 10, "minute": 19, "second": 1}
